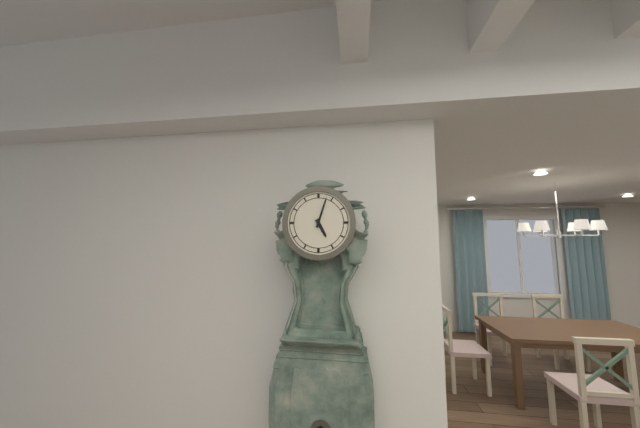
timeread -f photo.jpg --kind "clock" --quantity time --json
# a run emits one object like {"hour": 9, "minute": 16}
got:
{"hour": 5, "minute": 3}
